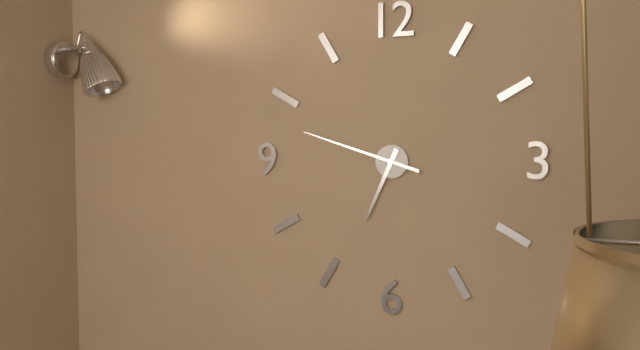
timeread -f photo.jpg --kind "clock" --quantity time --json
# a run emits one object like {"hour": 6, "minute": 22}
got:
{"hour": 6, "minute": 48}
